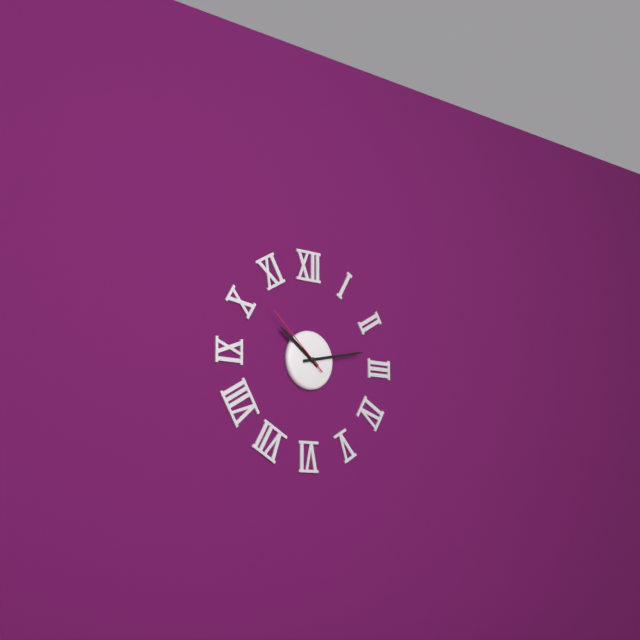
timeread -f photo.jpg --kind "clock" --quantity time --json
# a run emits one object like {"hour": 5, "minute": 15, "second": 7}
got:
{"hour": 10, "minute": 13, "second": 52}
